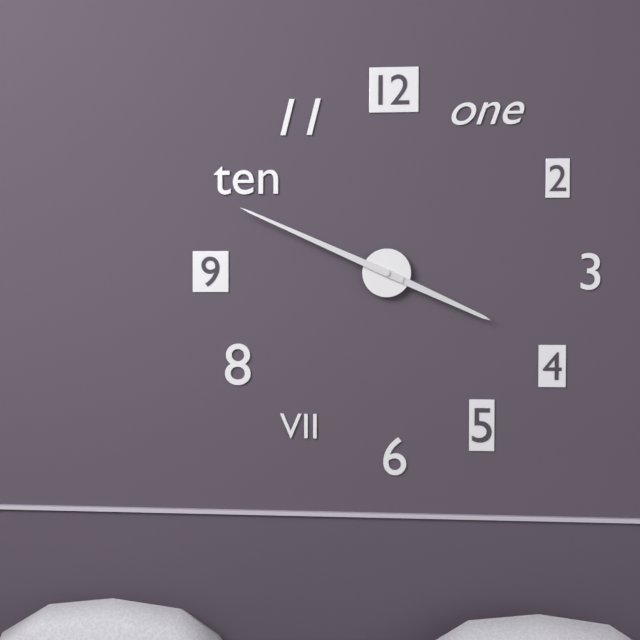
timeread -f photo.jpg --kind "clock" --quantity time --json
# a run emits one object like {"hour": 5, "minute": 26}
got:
{"hour": 3, "minute": 49}
